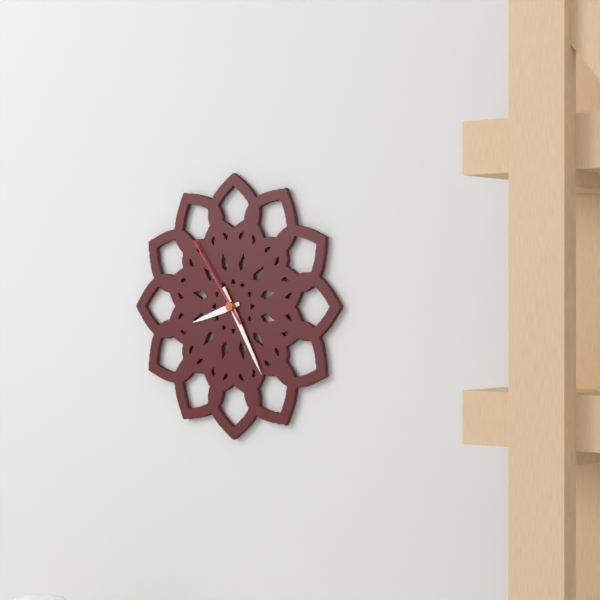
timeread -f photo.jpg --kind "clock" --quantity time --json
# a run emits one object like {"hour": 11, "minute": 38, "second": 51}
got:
{"hour": 8, "minute": 25, "second": 54}
